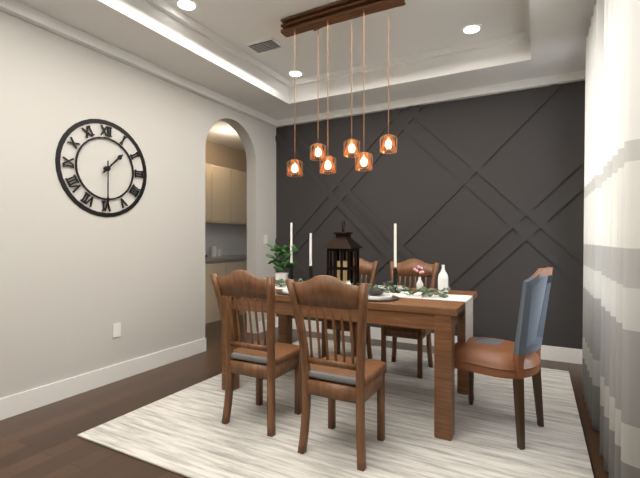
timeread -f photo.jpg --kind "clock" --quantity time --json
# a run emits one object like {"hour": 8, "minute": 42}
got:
{"hour": 1, "minute": 30}
